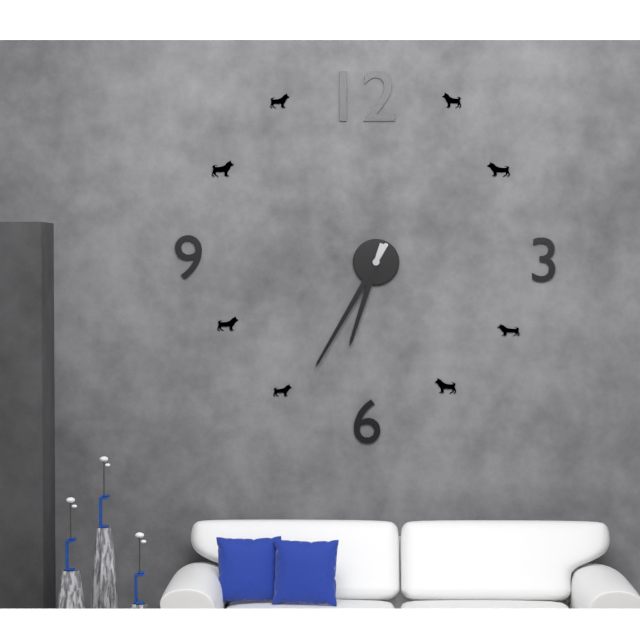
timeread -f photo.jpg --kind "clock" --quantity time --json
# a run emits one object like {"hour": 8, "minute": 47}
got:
{"hour": 6, "minute": 35}
